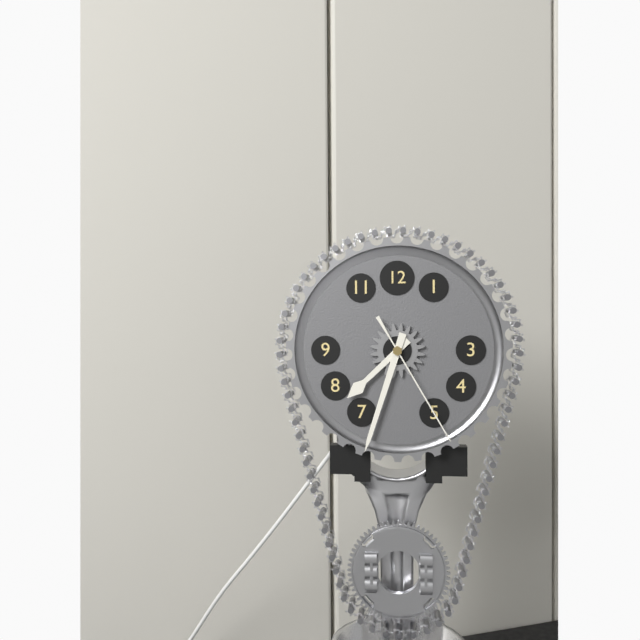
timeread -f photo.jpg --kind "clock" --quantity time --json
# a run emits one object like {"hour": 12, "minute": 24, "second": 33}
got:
{"hour": 7, "minute": 33, "second": 25}
